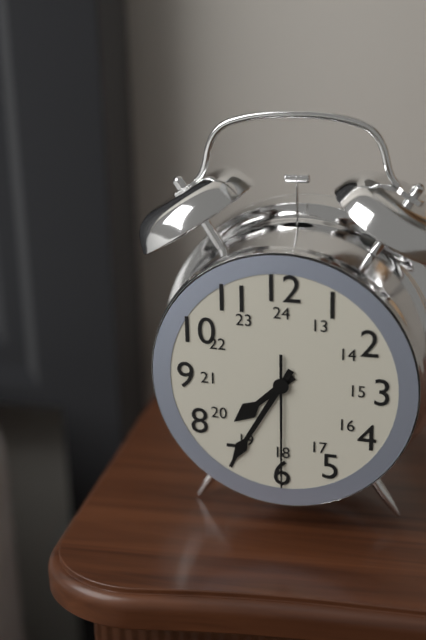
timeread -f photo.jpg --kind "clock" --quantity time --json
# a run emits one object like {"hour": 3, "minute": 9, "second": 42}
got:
{"hour": 7, "minute": 35, "second": 30}
